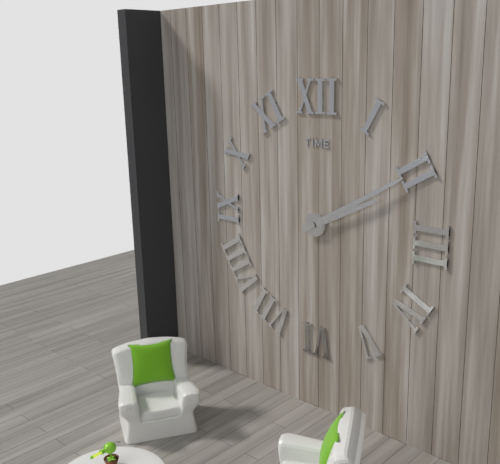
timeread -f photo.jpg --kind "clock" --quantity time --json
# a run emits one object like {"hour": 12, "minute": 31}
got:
{"hour": 2, "minute": 10}
